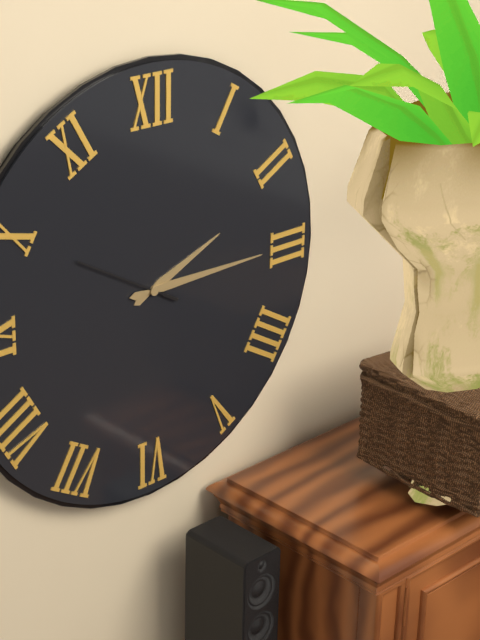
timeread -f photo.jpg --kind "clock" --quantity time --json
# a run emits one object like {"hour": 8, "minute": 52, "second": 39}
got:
{"hour": 2, "minute": 15, "second": 50}
